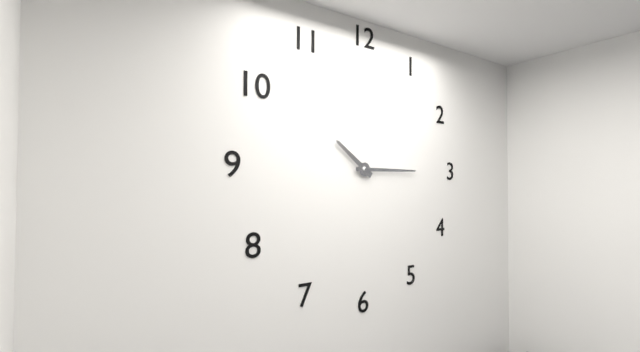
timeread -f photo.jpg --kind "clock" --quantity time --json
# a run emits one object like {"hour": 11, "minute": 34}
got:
{"hour": 10, "minute": 15}
